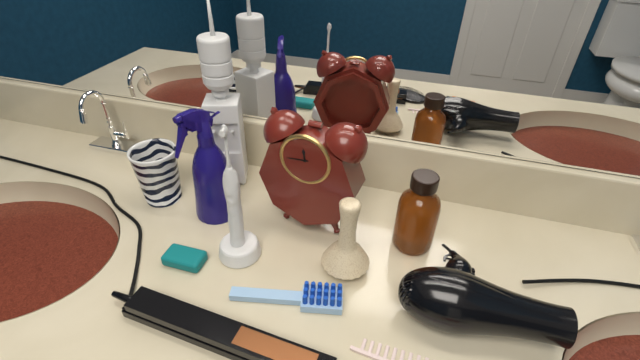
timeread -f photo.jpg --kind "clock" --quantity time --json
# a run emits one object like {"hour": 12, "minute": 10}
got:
{"hour": 11, "minute": 44}
